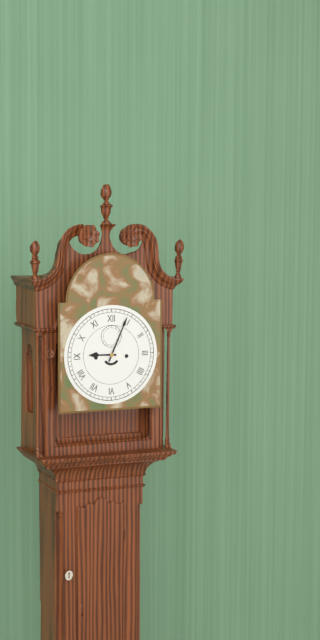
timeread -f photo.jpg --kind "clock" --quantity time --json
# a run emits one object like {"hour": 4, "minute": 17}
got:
{"hour": 9, "minute": 4}
